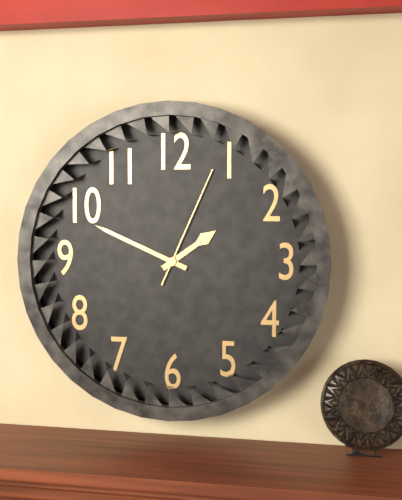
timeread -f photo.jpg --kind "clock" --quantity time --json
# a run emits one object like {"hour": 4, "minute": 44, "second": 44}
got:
{"hour": 1, "minute": 49, "second": 4}
